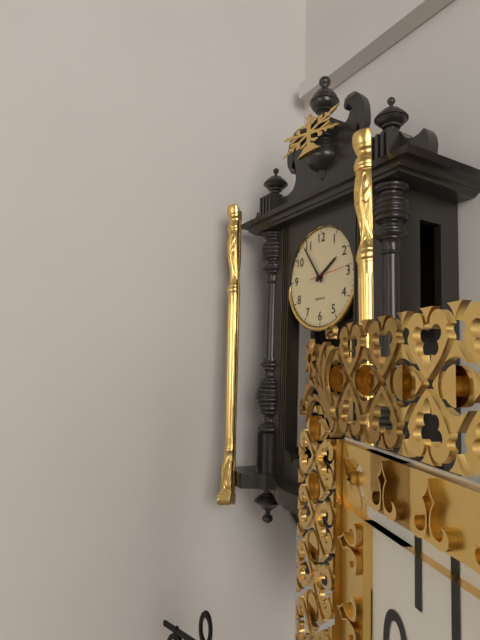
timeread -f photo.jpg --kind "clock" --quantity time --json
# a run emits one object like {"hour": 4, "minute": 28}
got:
{"hour": 1, "minute": 54}
